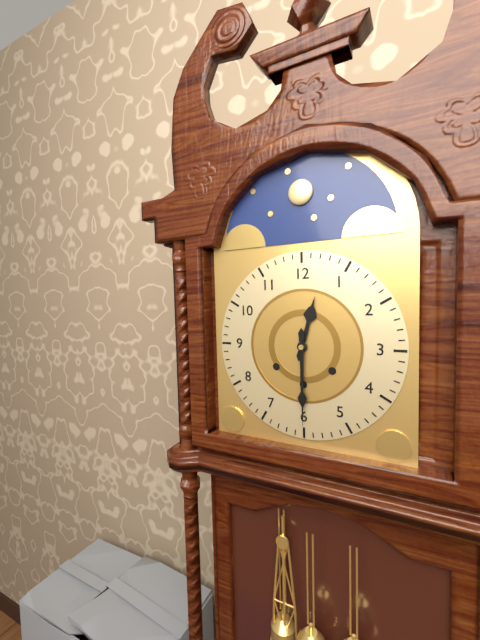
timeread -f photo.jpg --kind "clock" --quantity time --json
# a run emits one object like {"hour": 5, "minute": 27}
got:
{"hour": 12, "minute": 30}
